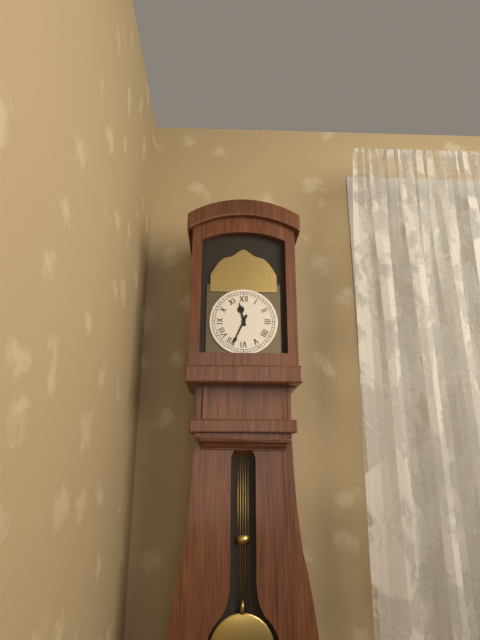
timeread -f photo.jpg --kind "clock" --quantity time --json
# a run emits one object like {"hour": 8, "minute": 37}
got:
{"hour": 11, "minute": 34}
